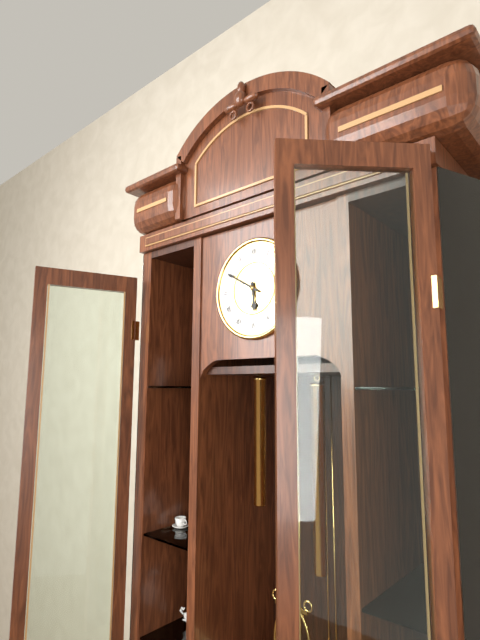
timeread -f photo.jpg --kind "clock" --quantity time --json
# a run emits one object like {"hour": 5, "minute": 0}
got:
{"hour": 5, "minute": 50}
